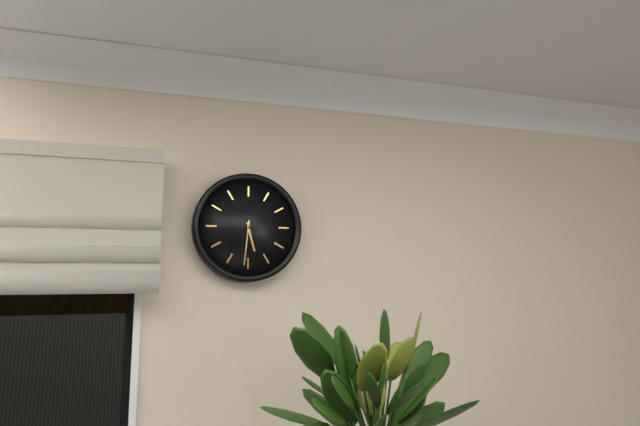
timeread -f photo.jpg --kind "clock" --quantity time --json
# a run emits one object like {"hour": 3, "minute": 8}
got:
{"hour": 5, "minute": 31}
